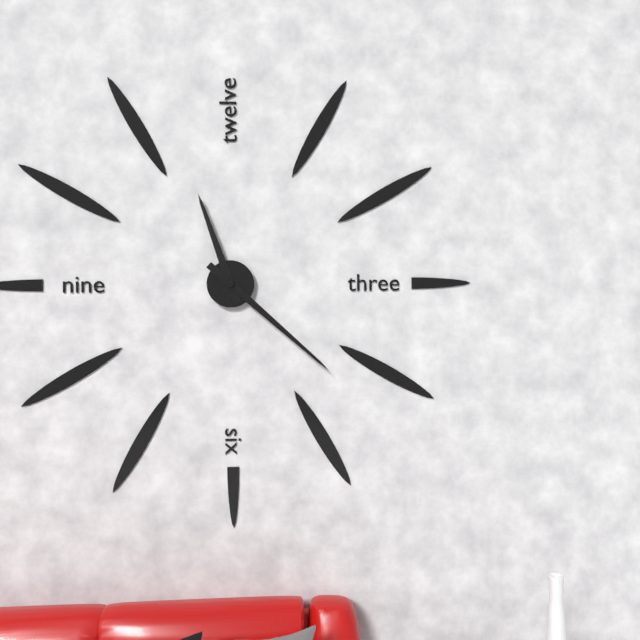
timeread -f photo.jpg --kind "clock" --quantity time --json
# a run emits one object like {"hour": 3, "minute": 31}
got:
{"hour": 11, "minute": 22}
